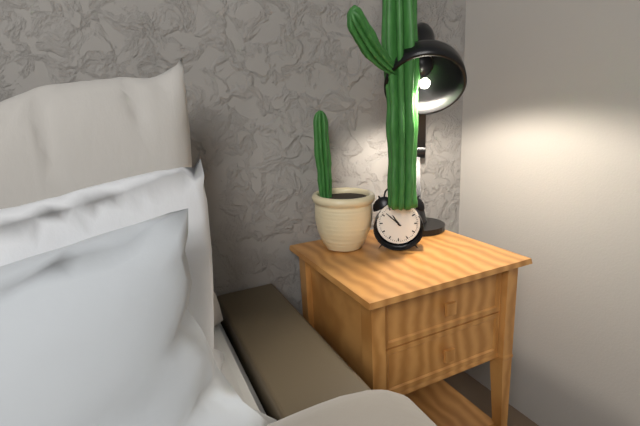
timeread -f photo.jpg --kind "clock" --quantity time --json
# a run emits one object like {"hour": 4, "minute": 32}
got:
{"hour": 10, "minute": 52}
